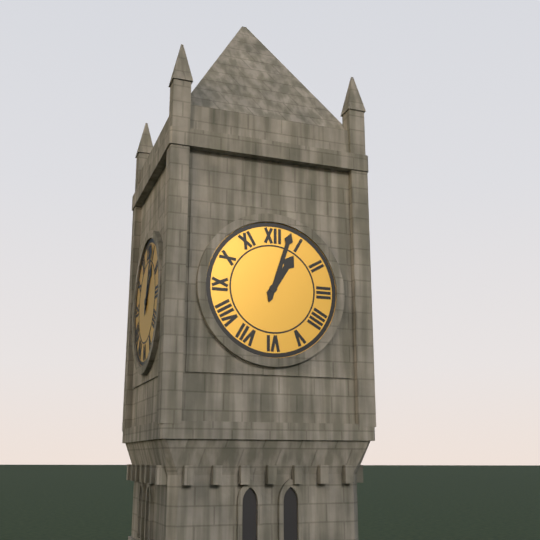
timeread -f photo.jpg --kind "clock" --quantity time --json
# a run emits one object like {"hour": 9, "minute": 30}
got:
{"hour": 1, "minute": 3}
